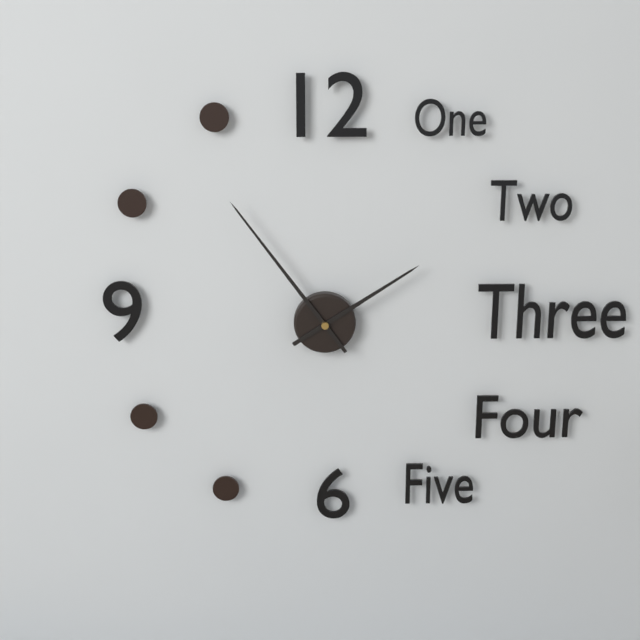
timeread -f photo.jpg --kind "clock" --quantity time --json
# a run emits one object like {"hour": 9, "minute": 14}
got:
{"hour": 1, "minute": 54}
